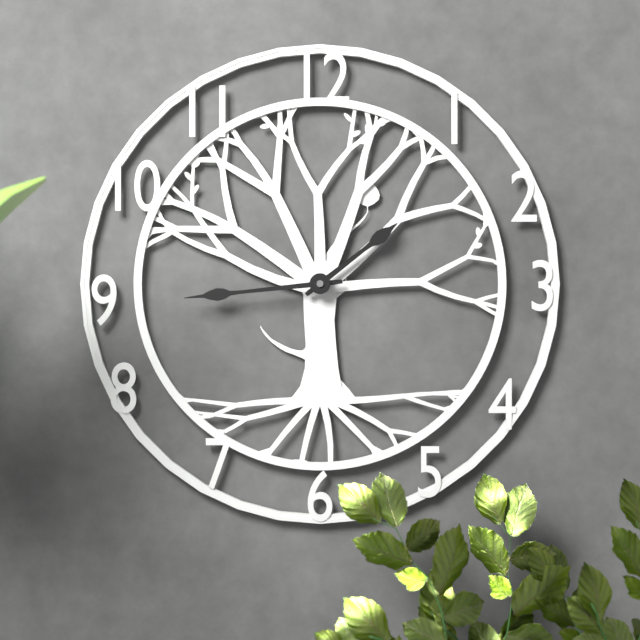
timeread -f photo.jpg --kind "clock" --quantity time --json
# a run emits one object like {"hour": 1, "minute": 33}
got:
{"hour": 1, "minute": 44}
